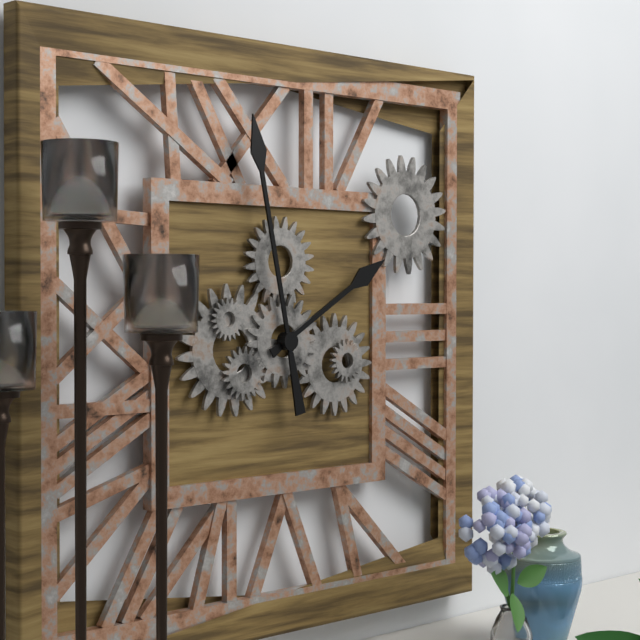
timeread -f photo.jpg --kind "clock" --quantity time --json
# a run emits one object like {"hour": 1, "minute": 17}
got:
{"hour": 1, "minute": 58}
